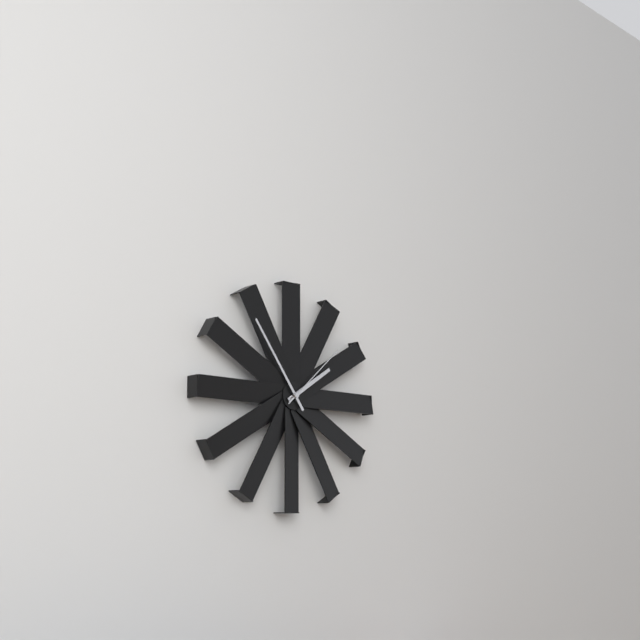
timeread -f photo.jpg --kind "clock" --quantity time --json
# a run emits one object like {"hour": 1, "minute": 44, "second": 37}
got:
{"hour": 1, "minute": 54, "second": 8}
